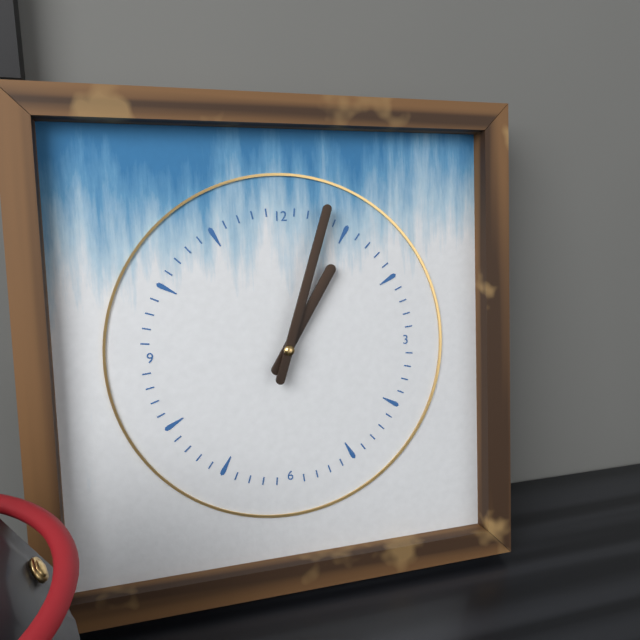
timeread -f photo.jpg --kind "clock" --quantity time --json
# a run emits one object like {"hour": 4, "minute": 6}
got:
{"hour": 1, "minute": 3}
